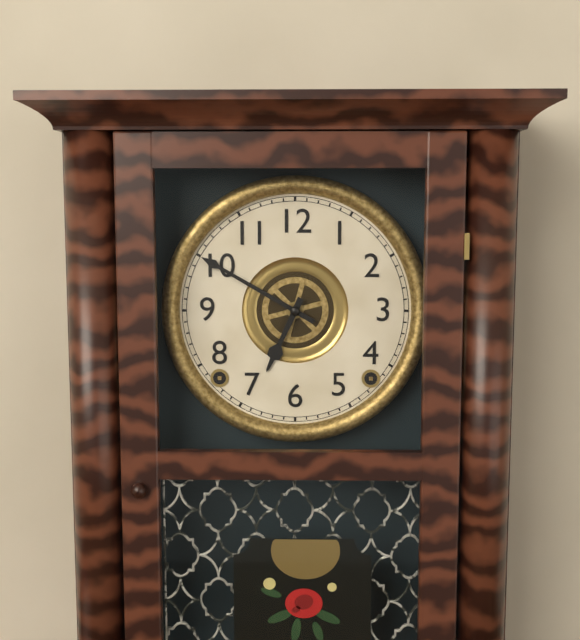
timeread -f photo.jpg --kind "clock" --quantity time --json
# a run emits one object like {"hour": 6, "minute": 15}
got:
{"hour": 6, "minute": 50}
